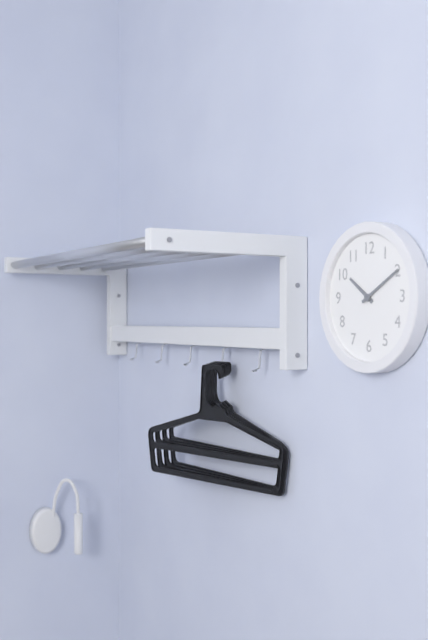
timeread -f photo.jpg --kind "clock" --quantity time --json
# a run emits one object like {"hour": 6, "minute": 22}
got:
{"hour": 10, "minute": 10}
